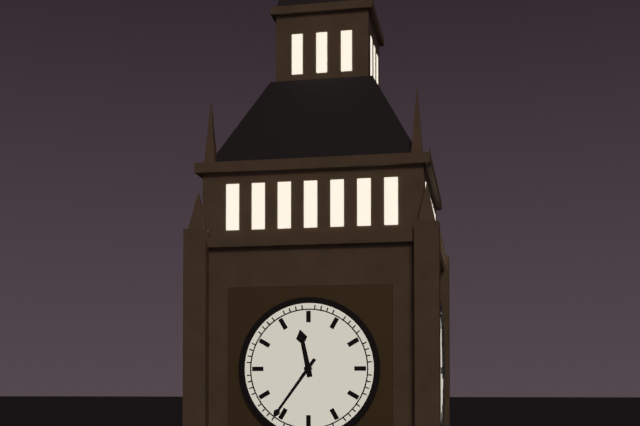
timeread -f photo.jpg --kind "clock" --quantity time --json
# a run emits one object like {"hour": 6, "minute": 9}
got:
{"hour": 11, "minute": 36}
